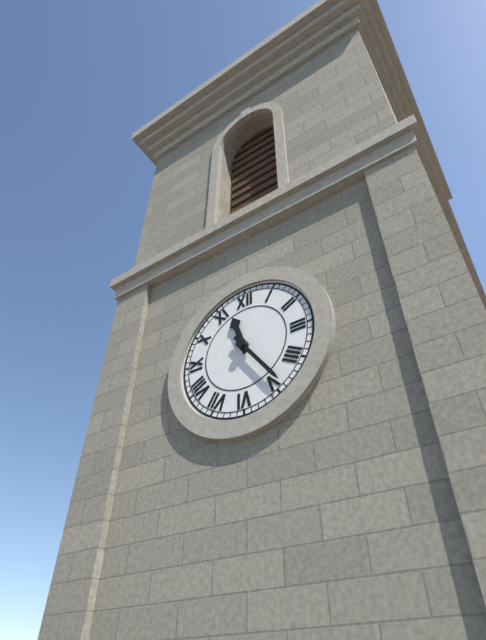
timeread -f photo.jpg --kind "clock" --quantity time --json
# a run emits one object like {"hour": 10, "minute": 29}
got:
{"hour": 11, "minute": 24}
